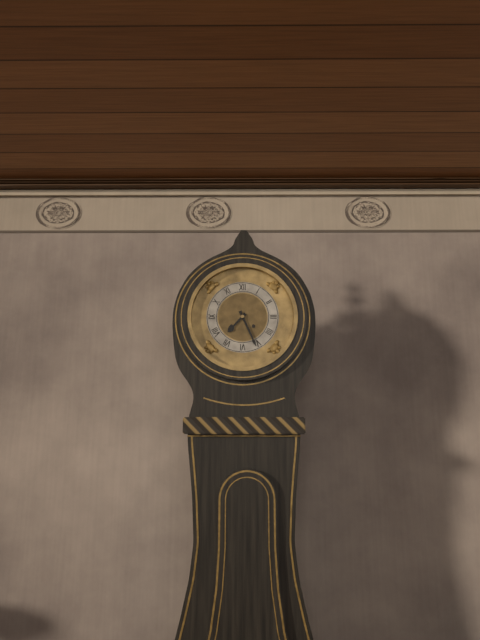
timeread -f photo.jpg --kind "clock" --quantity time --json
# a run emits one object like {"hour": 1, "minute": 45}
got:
{"hour": 7, "minute": 26}
